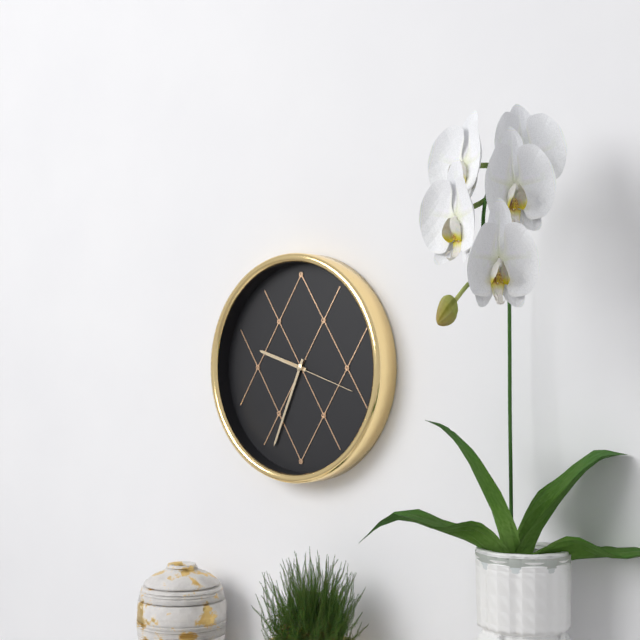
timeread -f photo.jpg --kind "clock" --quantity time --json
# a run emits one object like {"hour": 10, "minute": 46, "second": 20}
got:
{"hour": 9, "minute": 34, "second": 18}
